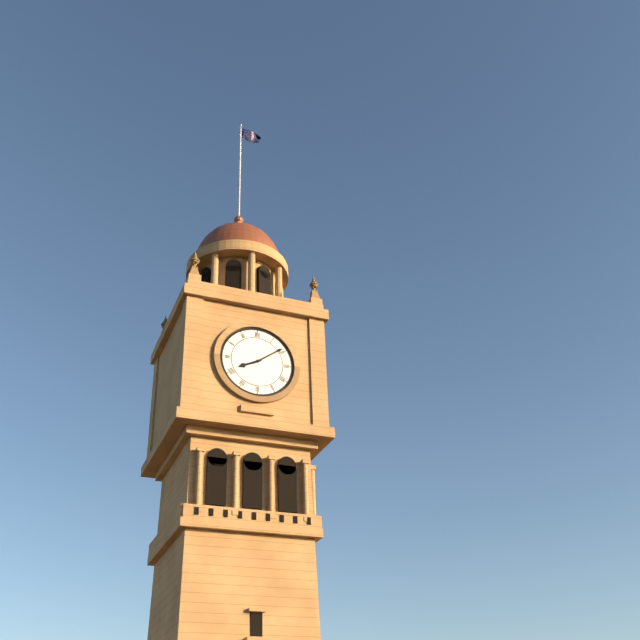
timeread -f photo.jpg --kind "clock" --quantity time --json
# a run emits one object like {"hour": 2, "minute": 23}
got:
{"hour": 8, "minute": 9}
